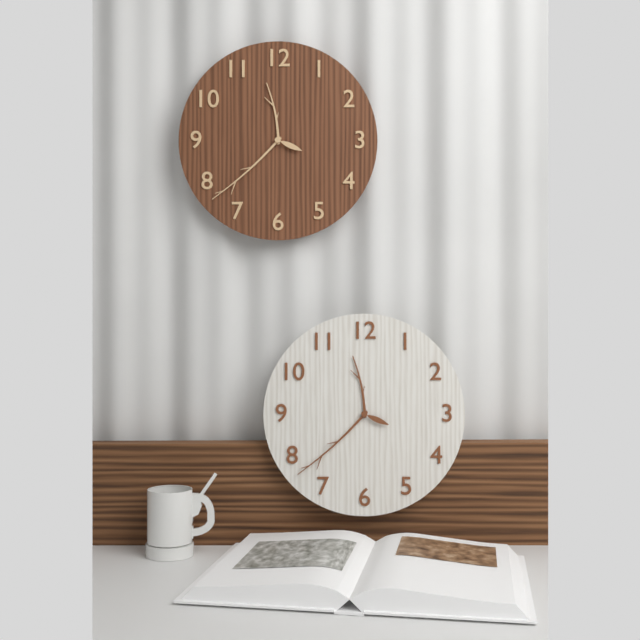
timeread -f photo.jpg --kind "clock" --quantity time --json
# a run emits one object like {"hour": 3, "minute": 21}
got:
{"hour": 11, "minute": 38}
